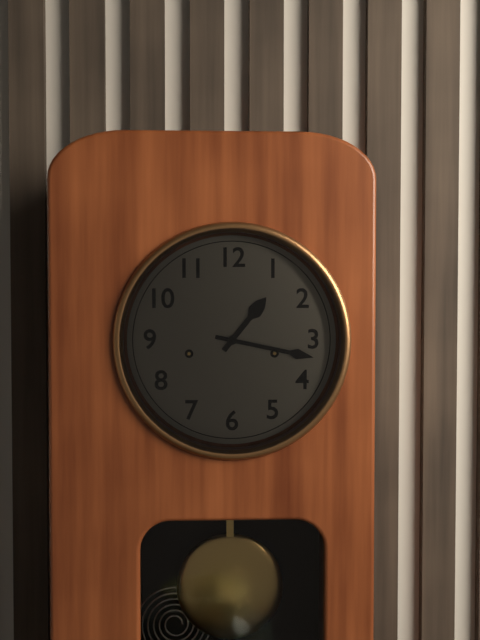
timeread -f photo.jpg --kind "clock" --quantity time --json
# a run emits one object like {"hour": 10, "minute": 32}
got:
{"hour": 1, "minute": 17}
